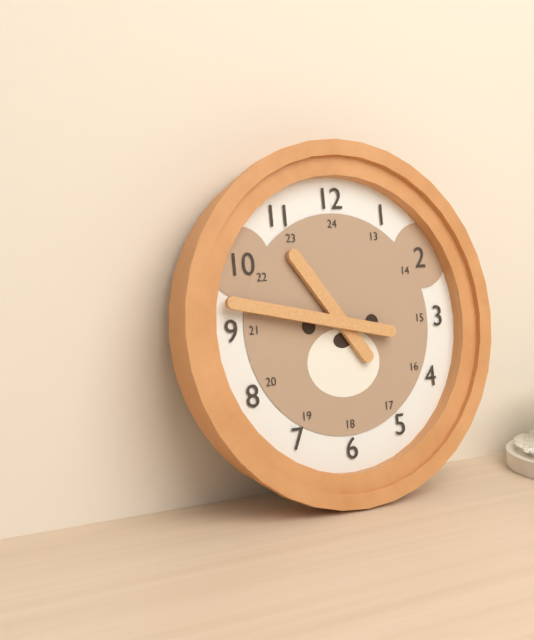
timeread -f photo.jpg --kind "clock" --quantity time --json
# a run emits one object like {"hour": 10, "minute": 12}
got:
{"hour": 10, "minute": 47}
